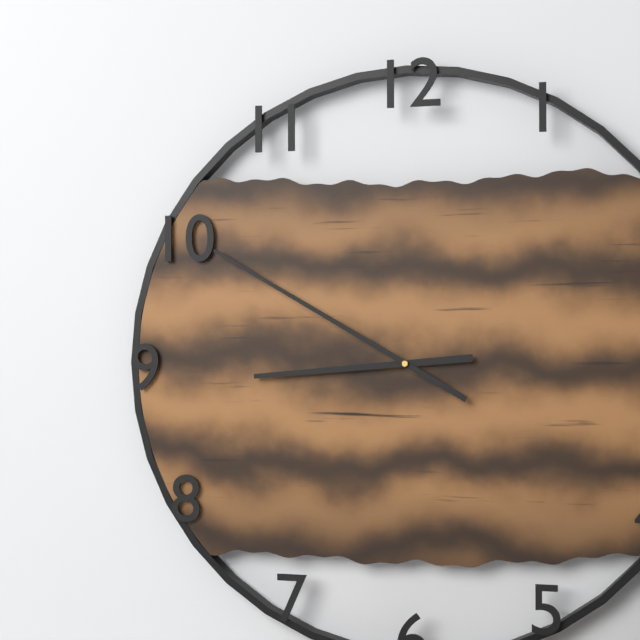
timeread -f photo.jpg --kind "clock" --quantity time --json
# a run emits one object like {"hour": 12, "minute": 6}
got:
{"hour": 8, "minute": 50}
